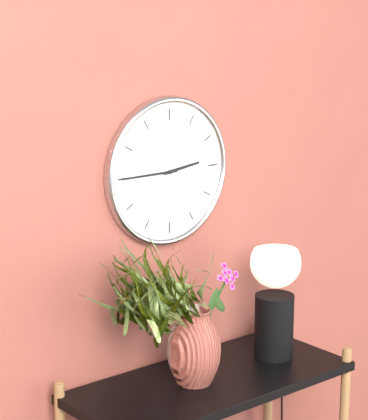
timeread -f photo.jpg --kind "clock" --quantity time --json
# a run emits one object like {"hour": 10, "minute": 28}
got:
{"hour": 2, "minute": 45}
